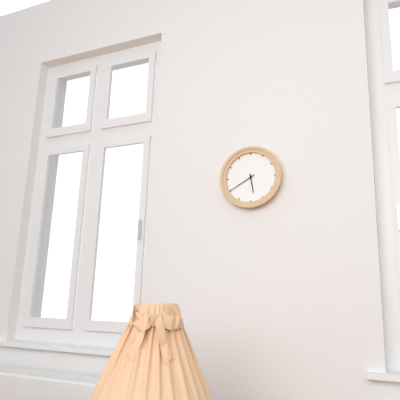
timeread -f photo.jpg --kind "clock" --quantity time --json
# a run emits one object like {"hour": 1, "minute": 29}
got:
{"hour": 5, "minute": 40}
